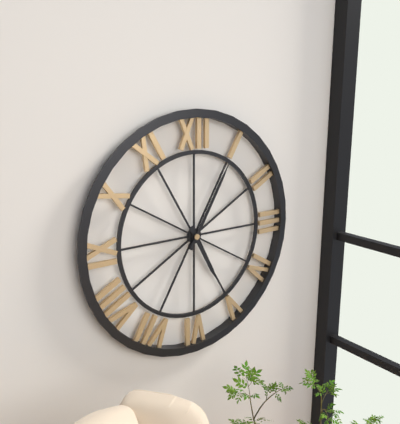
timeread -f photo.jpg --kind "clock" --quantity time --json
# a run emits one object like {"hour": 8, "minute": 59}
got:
{"hour": 5, "minute": 5}
